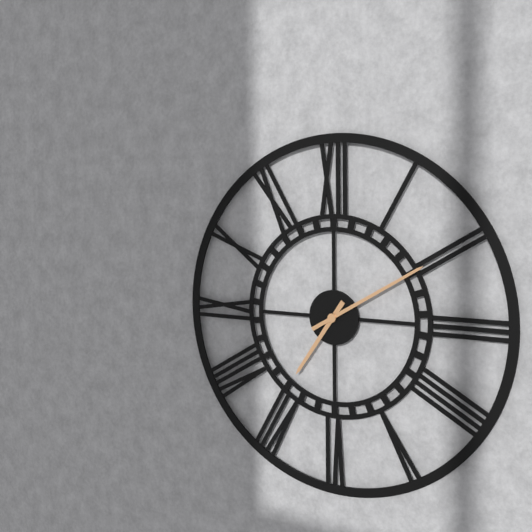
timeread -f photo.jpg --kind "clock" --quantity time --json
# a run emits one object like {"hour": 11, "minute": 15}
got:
{"hour": 7, "minute": 10}
